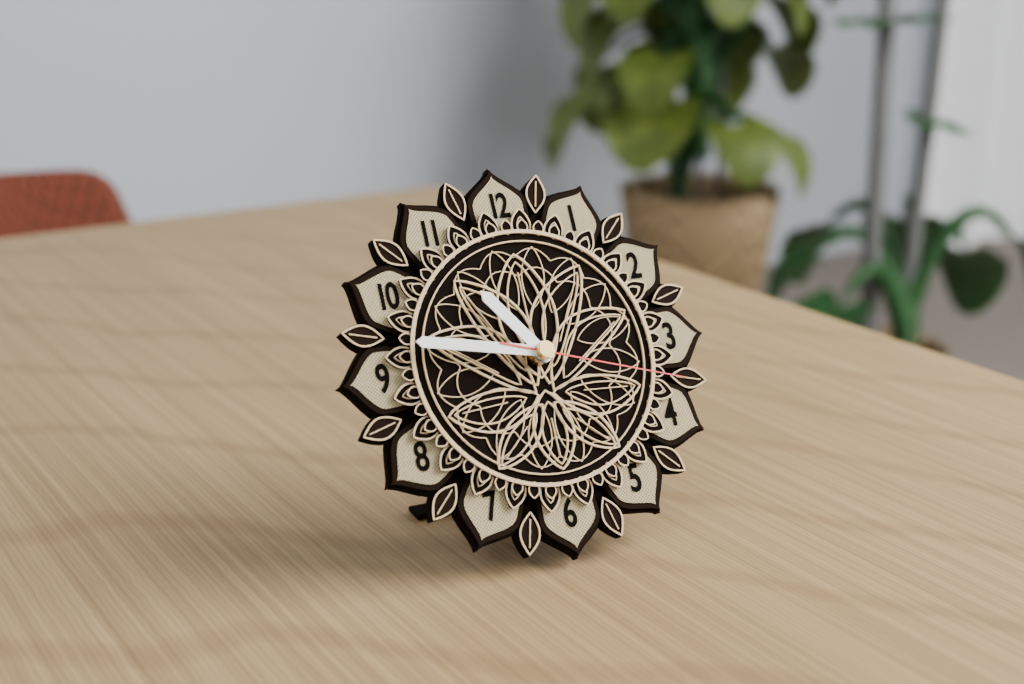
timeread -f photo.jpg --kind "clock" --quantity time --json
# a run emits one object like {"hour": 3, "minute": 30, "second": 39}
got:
{"hour": 10, "minute": 47, "second": 18}
